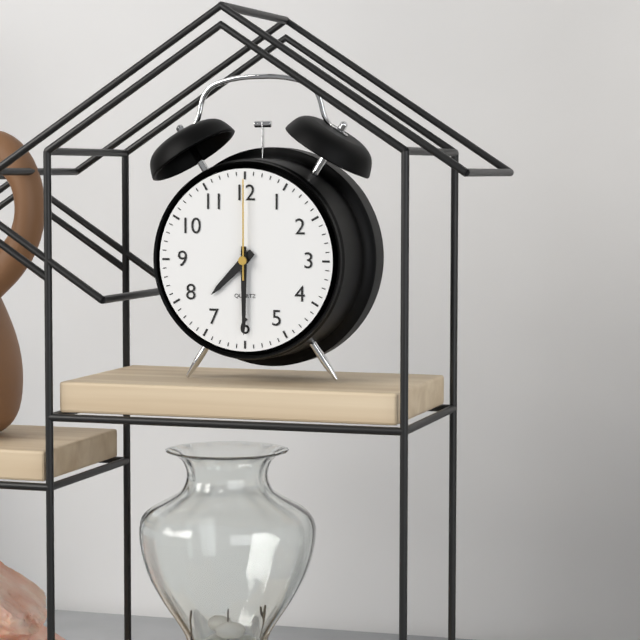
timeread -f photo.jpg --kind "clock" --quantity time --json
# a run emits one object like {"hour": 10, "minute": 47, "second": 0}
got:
{"hour": 7, "minute": 30, "second": 0}
